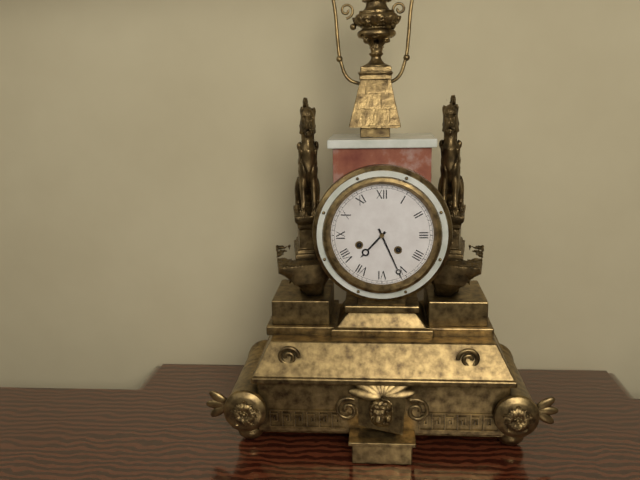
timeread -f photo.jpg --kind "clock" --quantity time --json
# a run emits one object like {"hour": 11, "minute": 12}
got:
{"hour": 7, "minute": 26}
